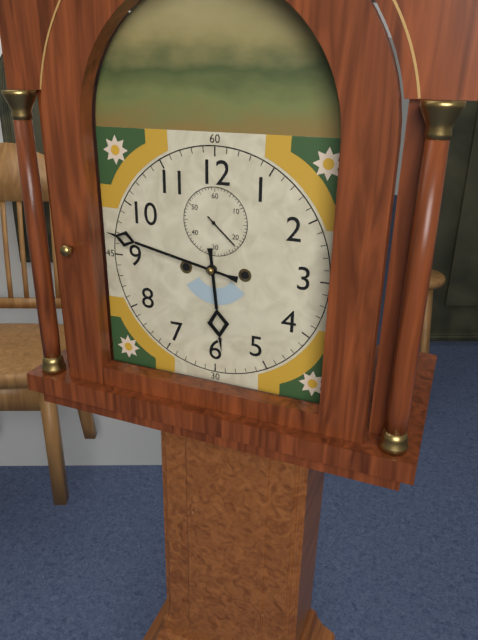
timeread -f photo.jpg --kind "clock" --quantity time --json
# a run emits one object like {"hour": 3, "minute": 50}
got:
{"hour": 5, "minute": 47}
